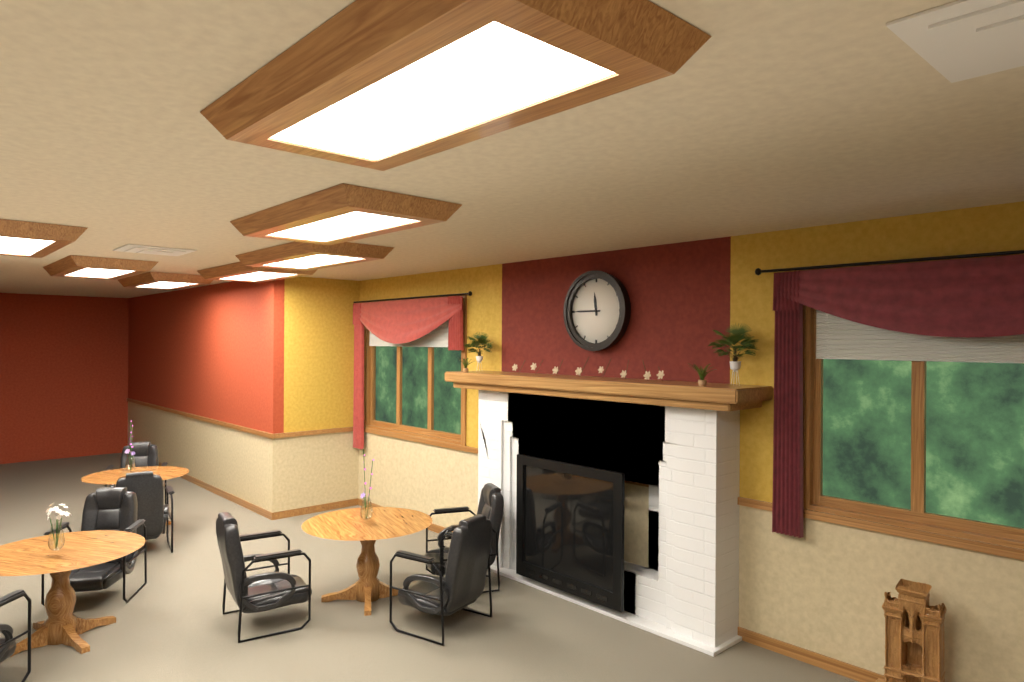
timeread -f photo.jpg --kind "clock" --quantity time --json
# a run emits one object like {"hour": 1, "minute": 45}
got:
{"hour": 11, "minute": 45}
